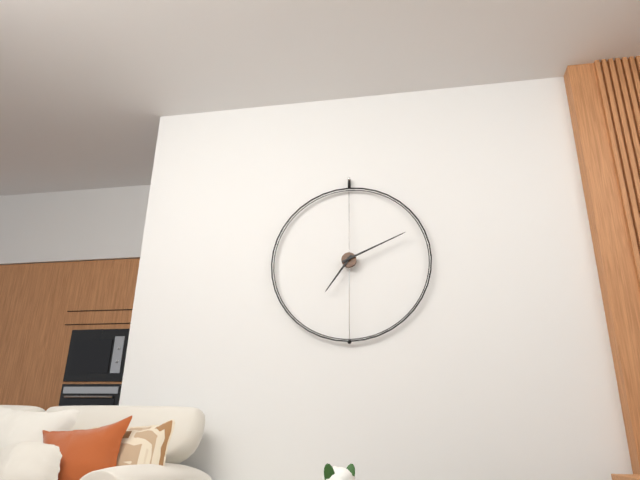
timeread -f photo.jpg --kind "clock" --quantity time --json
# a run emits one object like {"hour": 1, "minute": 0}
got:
{"hour": 7, "minute": 11}
